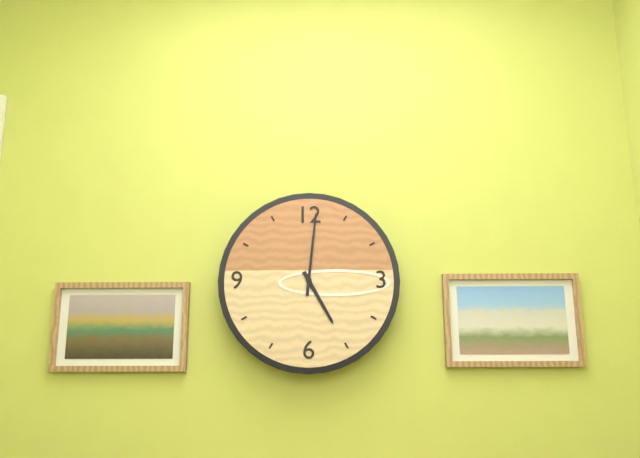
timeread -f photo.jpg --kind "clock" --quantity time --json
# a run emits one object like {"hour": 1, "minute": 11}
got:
{"hour": 5, "minute": 1}
